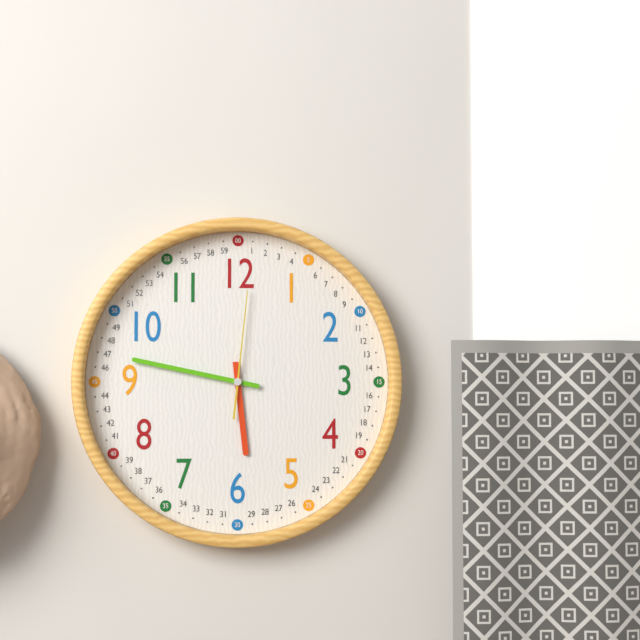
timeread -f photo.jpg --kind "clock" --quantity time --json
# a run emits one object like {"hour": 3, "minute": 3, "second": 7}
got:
{"hour": 5, "minute": 47, "second": 1}
